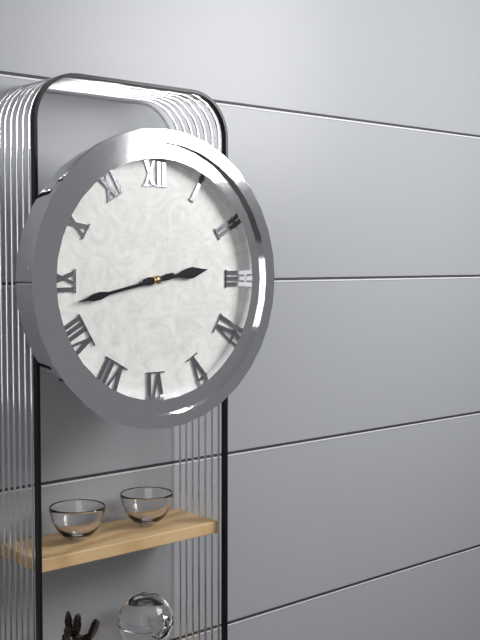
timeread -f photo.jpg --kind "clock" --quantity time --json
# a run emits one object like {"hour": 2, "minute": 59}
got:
{"hour": 2, "minute": 43}
